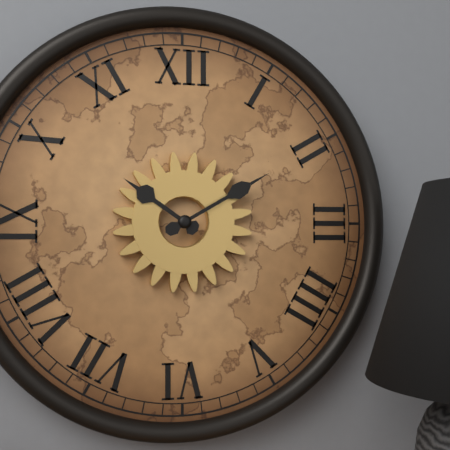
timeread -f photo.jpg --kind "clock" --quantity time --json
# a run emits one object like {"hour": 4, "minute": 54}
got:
{"hour": 10, "minute": 10}
